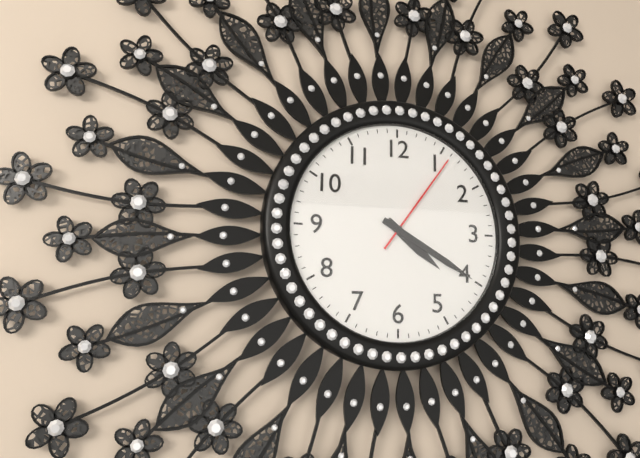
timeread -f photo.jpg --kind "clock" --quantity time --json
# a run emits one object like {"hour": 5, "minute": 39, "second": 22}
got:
{"hour": 4, "minute": 20, "second": 6}
